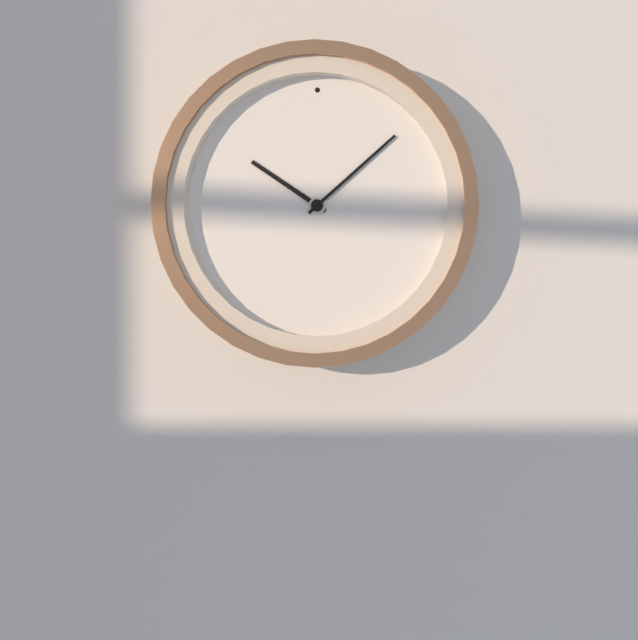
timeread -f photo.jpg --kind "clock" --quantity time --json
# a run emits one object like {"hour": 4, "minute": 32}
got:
{"hour": 10, "minute": 8}
